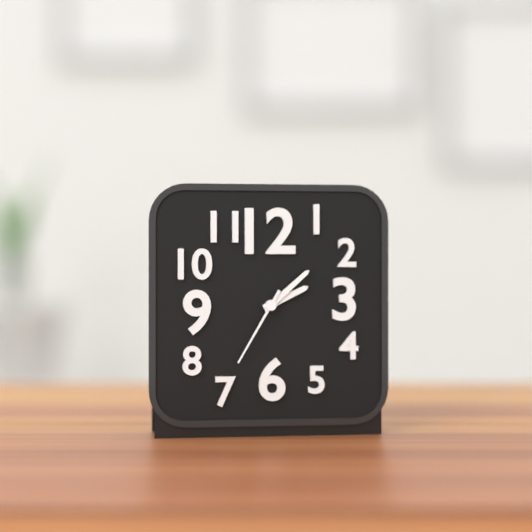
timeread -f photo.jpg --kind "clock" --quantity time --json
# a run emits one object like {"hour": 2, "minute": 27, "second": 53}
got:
{"hour": 2, "minute": 8, "second": 35}
